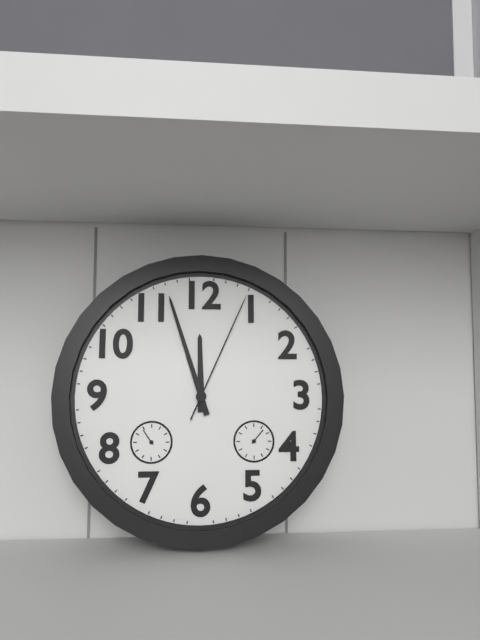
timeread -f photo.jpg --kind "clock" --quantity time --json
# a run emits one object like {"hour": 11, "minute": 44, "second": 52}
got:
{"hour": 11, "minute": 57, "second": 4}
